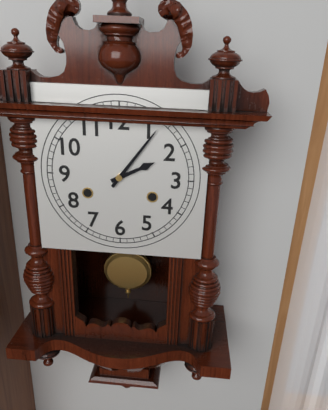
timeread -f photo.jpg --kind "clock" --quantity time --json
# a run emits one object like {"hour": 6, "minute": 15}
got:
{"hour": 2, "minute": 6}
